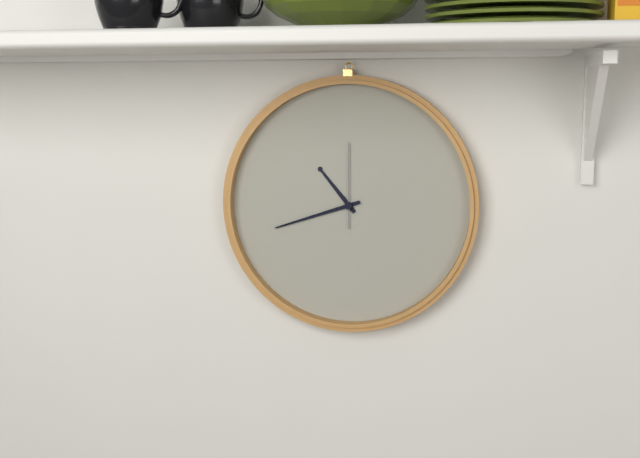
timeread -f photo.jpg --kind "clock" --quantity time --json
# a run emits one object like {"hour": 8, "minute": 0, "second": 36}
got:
{"hour": 10, "minute": 42, "second": 0}
